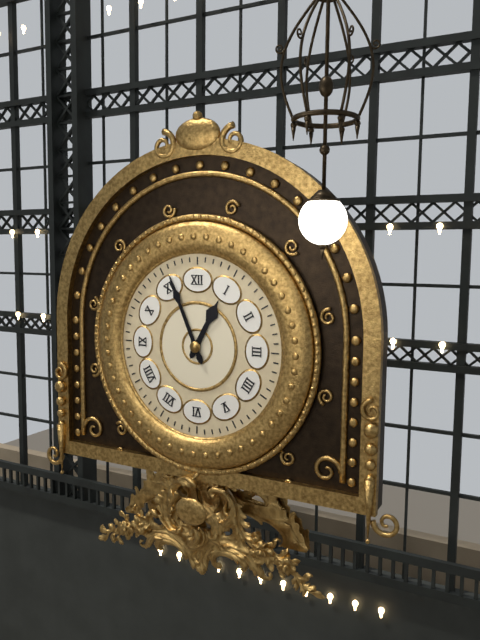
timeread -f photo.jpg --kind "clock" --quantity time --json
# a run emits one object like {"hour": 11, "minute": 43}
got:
{"hour": 12, "minute": 56}
